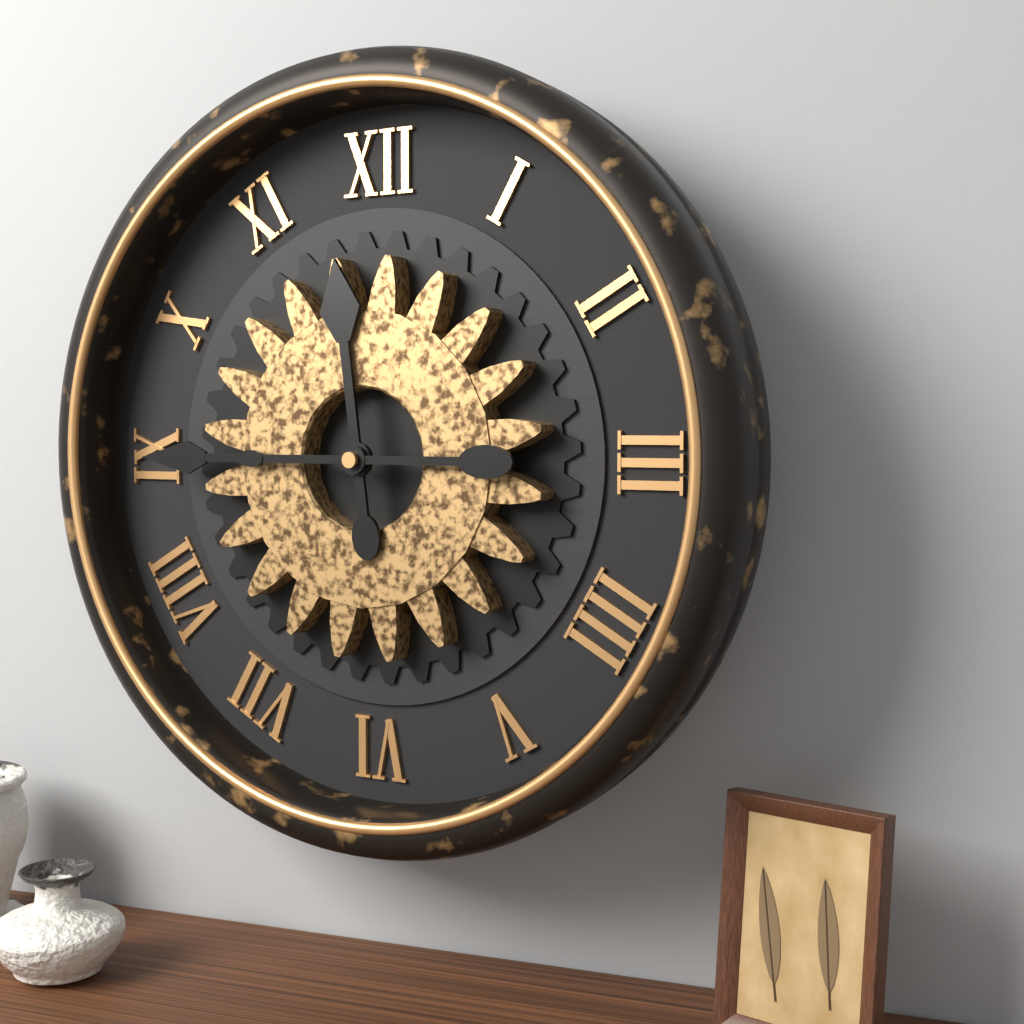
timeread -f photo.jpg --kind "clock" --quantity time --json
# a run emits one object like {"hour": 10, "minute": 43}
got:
{"hour": 11, "minute": 45}
